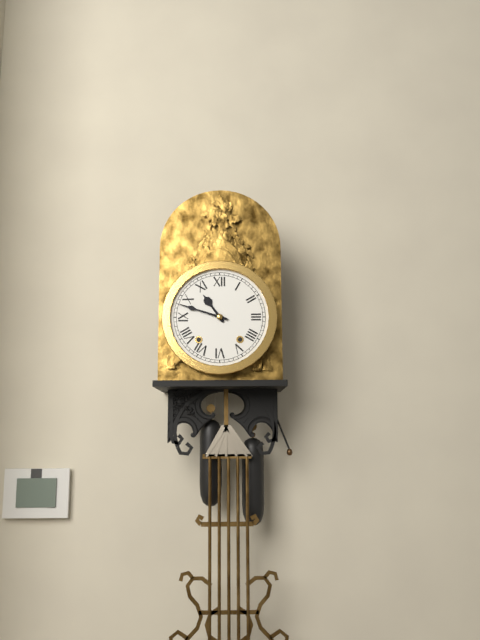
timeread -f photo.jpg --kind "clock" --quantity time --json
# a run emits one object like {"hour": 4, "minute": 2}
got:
{"hour": 10, "minute": 48}
